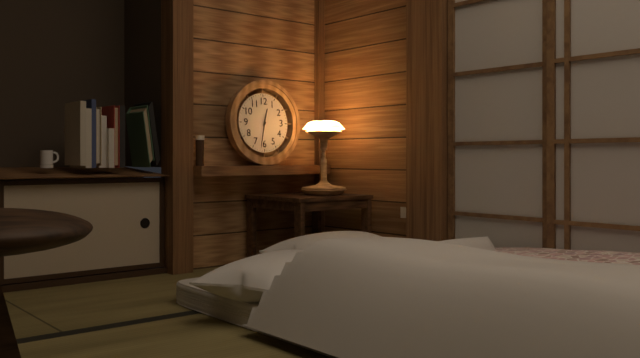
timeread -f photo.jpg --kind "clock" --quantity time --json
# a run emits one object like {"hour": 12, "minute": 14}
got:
{"hour": 12, "minute": 32}
